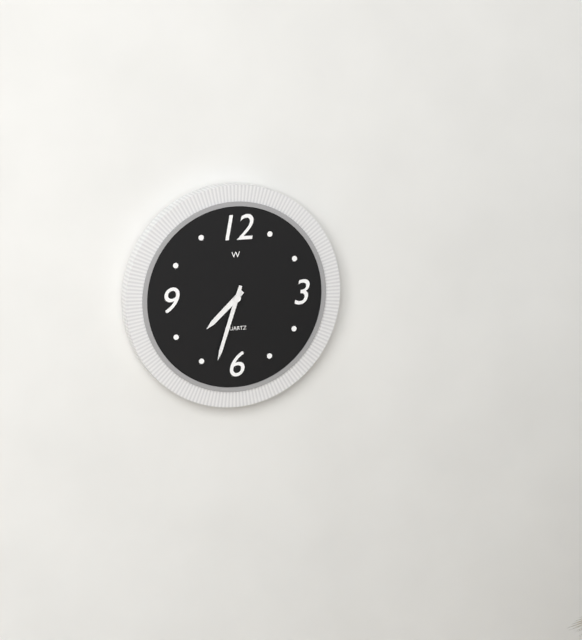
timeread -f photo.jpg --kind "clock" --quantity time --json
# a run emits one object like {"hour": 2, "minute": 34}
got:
{"hour": 7, "minute": 33}
